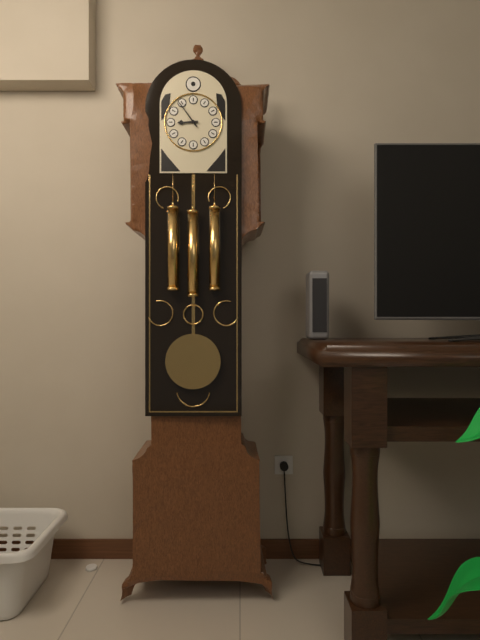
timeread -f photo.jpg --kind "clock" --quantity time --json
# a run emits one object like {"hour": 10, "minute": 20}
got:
{"hour": 8, "minute": 54}
